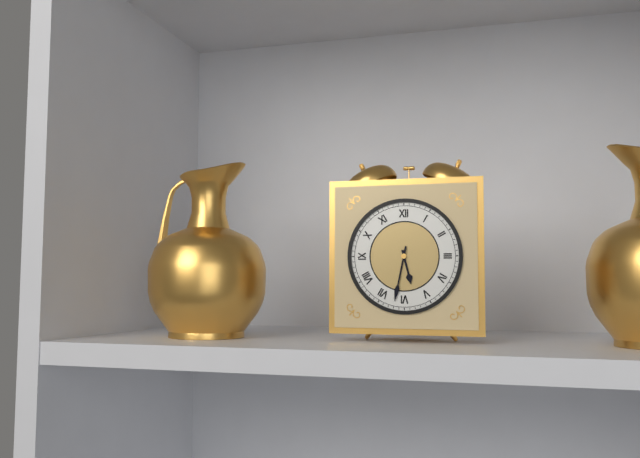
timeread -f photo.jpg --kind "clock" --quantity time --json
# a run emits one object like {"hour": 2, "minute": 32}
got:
{"hour": 5, "minute": 32}
